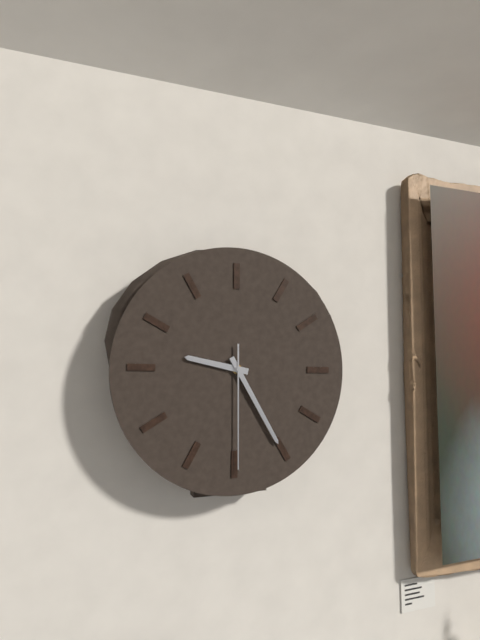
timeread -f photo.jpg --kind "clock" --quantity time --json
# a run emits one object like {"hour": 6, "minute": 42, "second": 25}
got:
{"hour": 9, "minute": 25, "second": 30}
